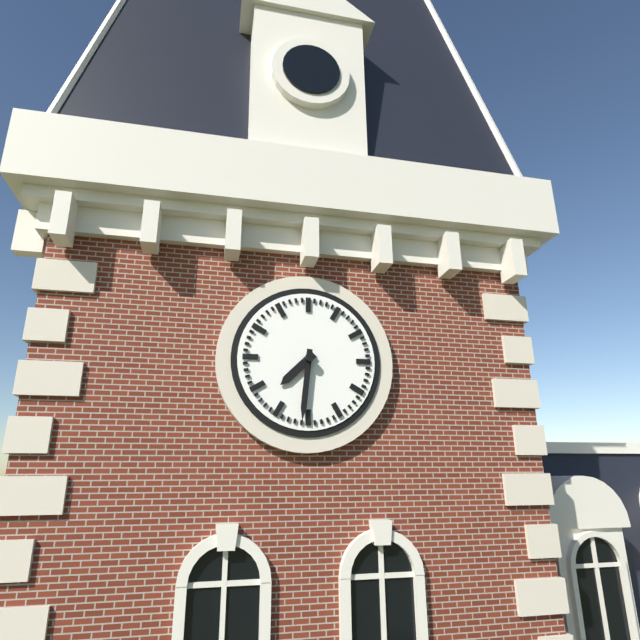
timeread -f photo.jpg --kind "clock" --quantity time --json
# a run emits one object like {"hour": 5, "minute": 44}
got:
{"hour": 7, "minute": 31}
